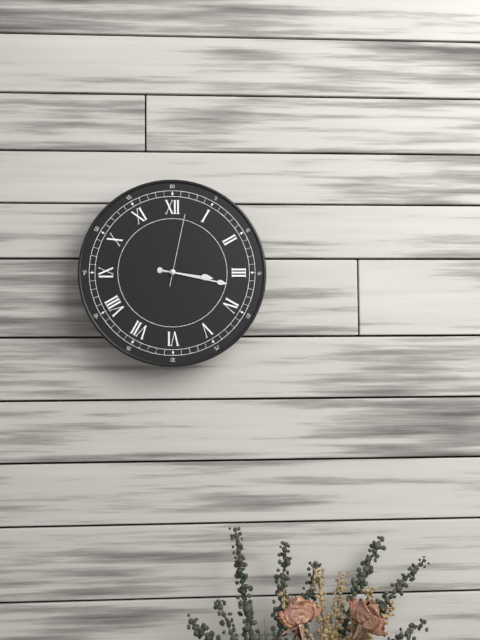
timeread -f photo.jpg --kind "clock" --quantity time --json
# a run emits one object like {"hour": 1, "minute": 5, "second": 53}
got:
{"hour": 3, "minute": 17, "second": 2}
